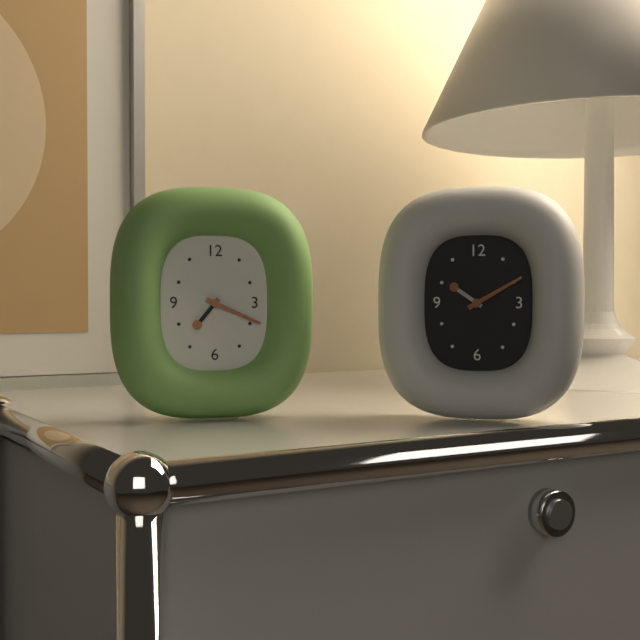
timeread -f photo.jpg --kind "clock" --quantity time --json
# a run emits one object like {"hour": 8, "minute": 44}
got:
{"hour": 7, "minute": 19}
